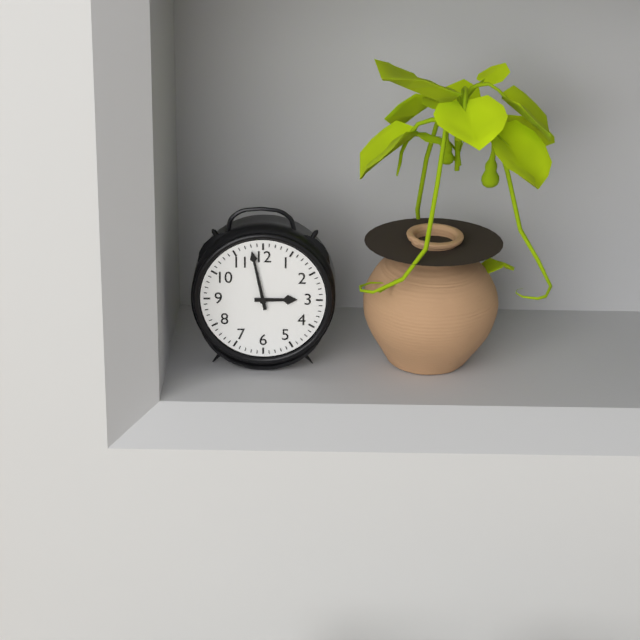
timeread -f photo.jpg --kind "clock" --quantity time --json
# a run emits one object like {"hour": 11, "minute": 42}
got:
{"hour": 2, "minute": 58}
